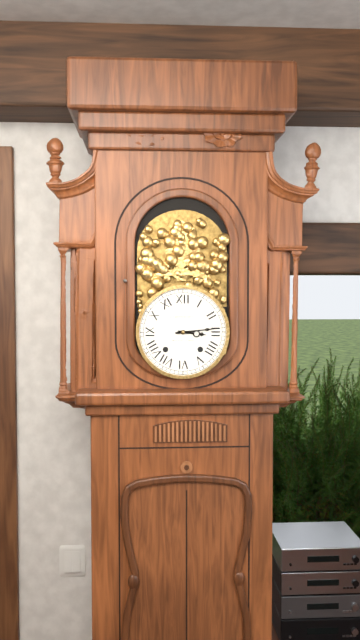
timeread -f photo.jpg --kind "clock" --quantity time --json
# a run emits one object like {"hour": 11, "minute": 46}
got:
{"hour": 3, "minute": 14}
